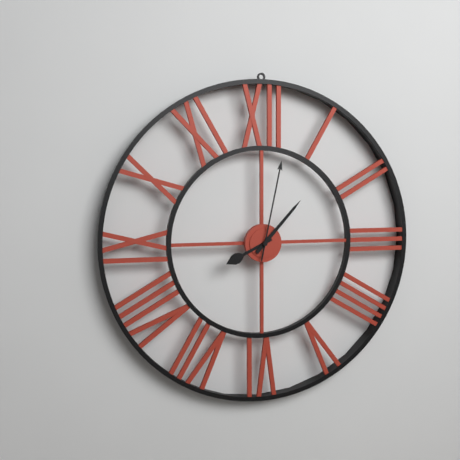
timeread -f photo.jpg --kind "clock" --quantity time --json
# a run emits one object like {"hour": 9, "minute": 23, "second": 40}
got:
{"hour": 8, "minute": 7, "second": 2}
